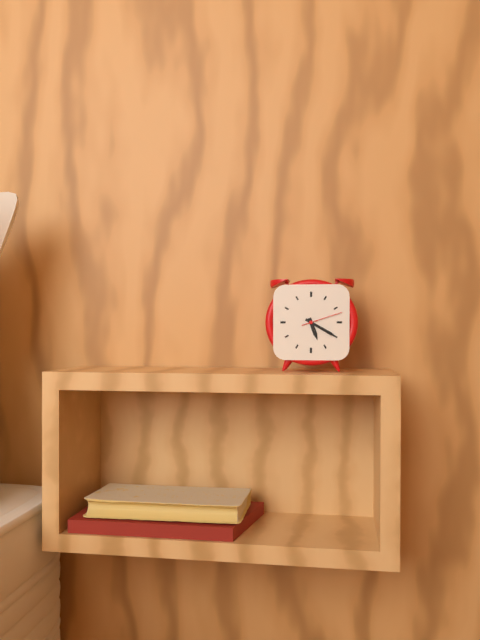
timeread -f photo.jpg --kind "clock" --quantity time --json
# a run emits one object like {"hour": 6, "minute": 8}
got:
{"hour": 5, "minute": 20}
